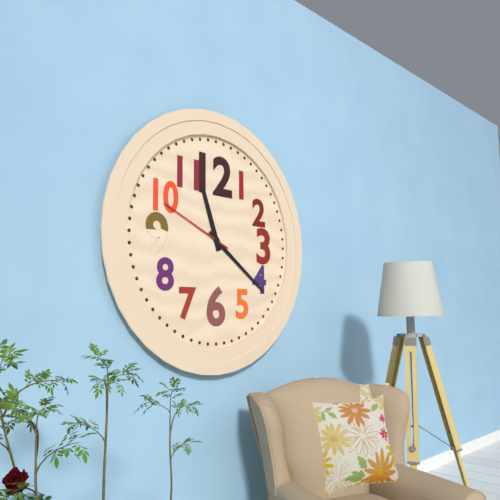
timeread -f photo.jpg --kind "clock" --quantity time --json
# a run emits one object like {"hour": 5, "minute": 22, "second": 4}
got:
{"hour": 11, "minute": 21, "second": 49}
